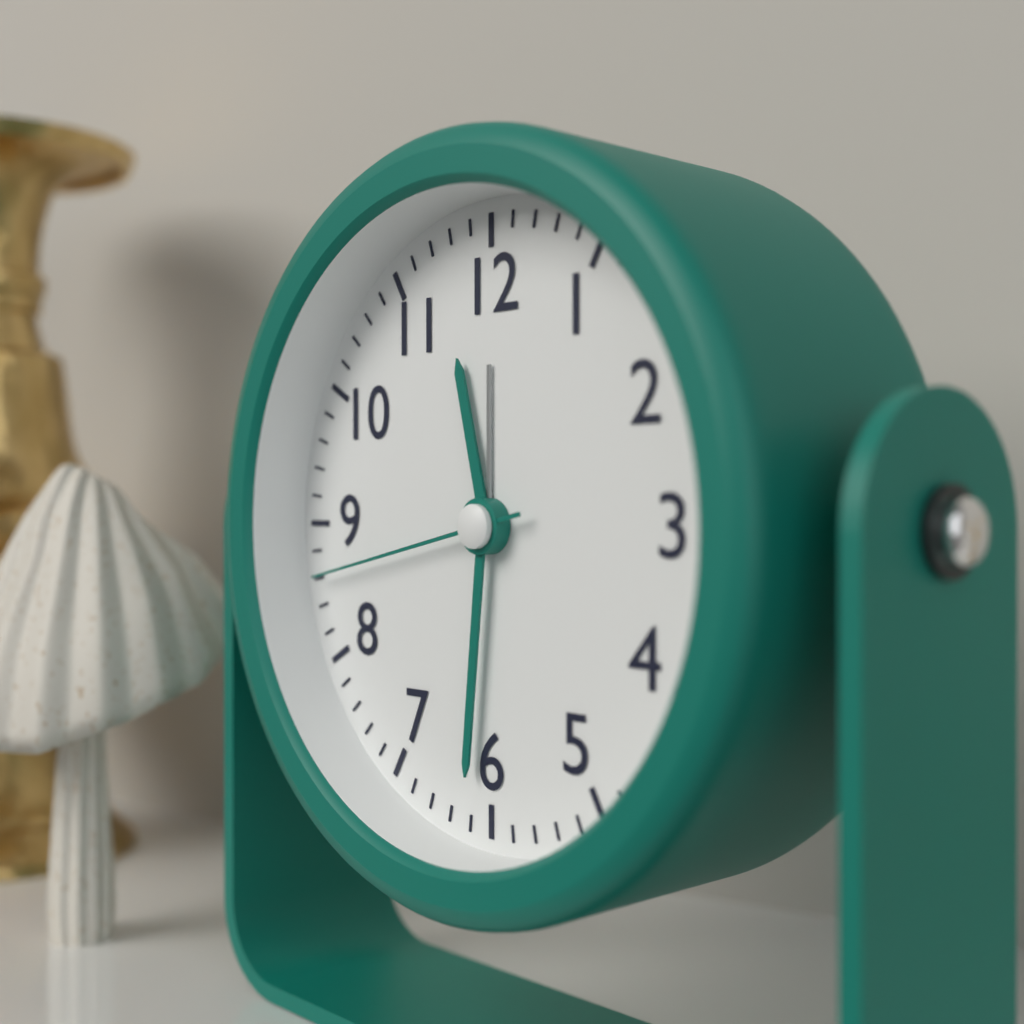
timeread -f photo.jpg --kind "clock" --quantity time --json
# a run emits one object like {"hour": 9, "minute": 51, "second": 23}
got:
{"hour": 11, "minute": 31, "second": 43}
